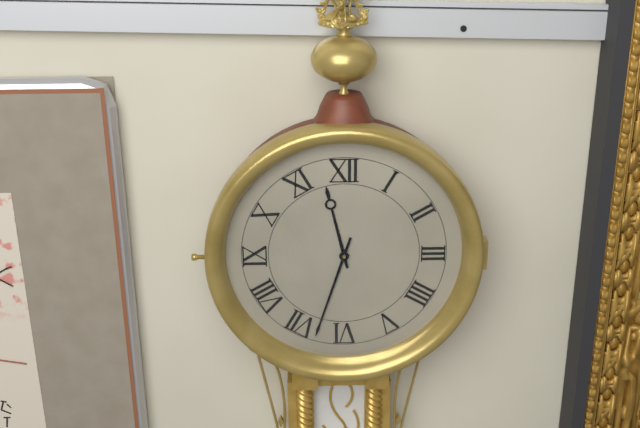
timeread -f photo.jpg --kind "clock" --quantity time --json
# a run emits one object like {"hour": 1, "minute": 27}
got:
{"hour": 11, "minute": 33}
